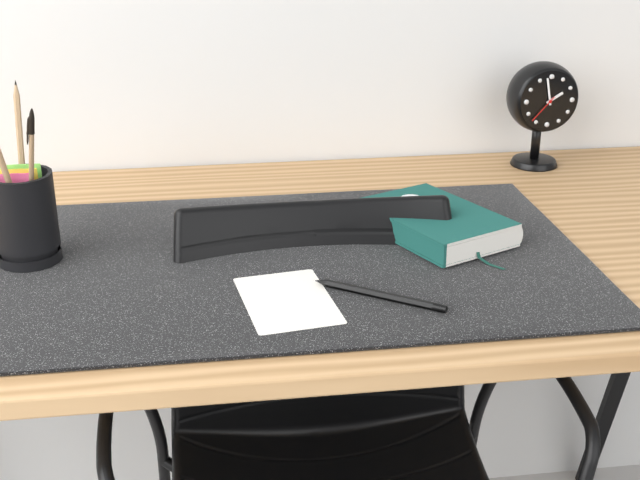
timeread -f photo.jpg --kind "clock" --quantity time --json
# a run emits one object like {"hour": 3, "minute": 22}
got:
{"hour": 1, "minute": 58}
